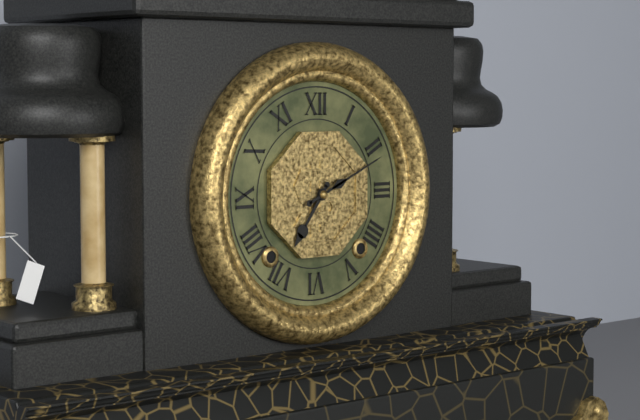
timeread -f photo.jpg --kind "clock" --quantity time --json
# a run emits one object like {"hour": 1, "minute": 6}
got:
{"hour": 7, "minute": 11}
